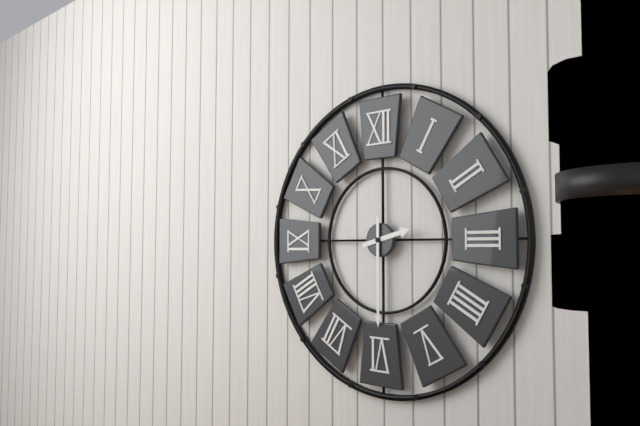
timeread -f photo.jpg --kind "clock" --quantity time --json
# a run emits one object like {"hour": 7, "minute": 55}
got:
{"hour": 2, "minute": 30}
